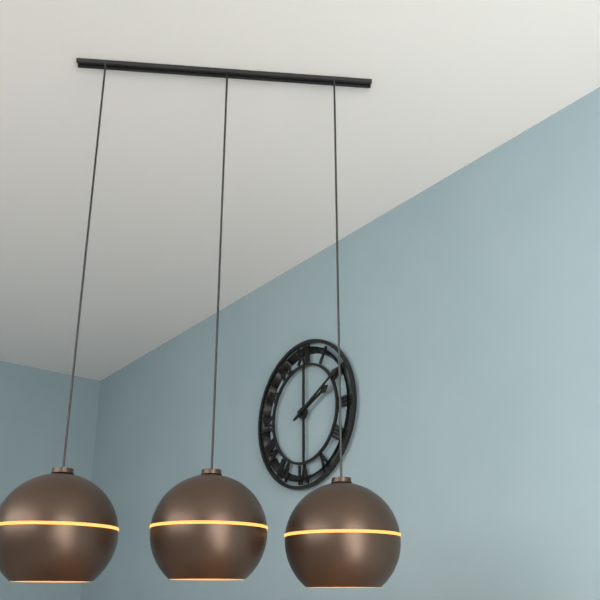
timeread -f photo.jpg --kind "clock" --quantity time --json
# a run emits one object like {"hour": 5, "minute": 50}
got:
{"hour": 2, "minute": 10}
